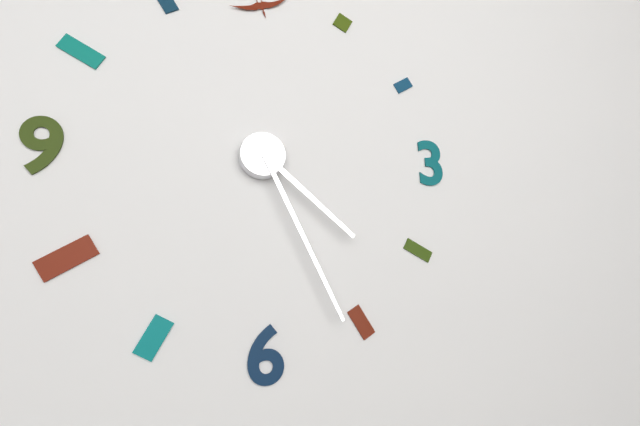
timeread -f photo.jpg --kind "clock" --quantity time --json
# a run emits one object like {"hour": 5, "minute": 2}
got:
{"hour": 4, "minute": 26}
